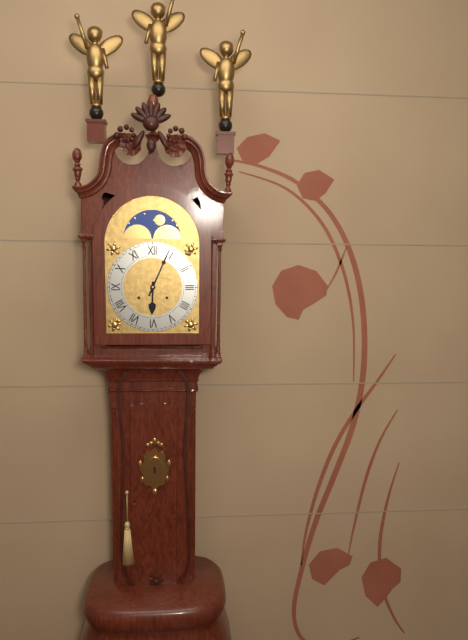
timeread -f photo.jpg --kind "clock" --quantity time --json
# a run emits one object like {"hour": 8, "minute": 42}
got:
{"hour": 6, "minute": 4}
